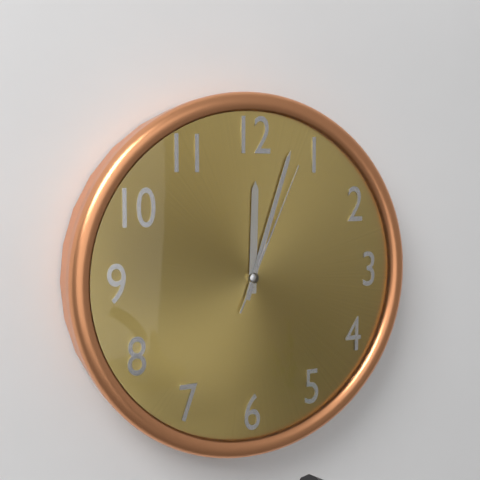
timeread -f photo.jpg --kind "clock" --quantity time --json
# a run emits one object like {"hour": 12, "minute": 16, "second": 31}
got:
{"hour": 12, "minute": 3, "second": 4}
